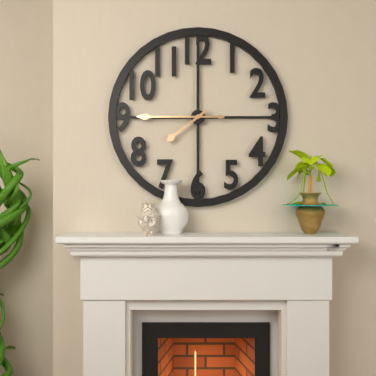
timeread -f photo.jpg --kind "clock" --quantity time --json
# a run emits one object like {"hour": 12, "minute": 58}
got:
{"hour": 7, "minute": 45}
